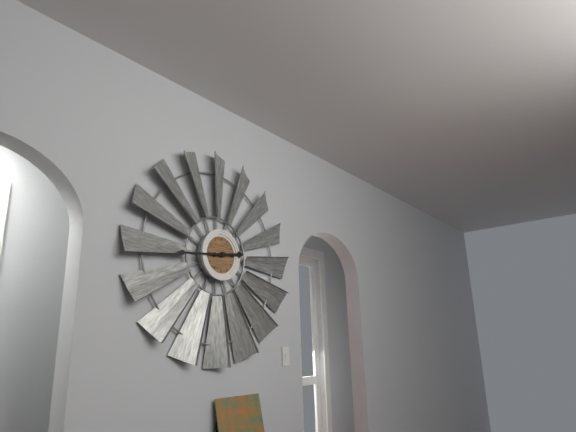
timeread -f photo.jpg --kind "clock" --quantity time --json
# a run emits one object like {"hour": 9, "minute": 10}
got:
{"hour": 2, "minute": 44}
